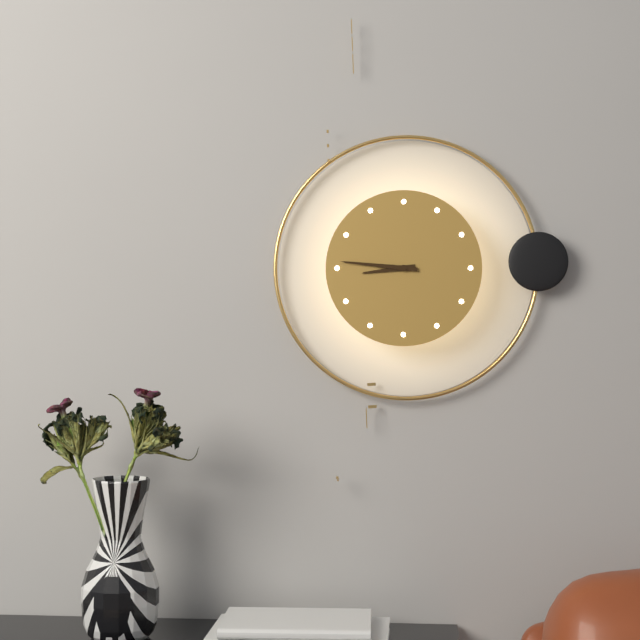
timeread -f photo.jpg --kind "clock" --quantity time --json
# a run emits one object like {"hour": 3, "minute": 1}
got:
{"hour": 8, "minute": 46}
